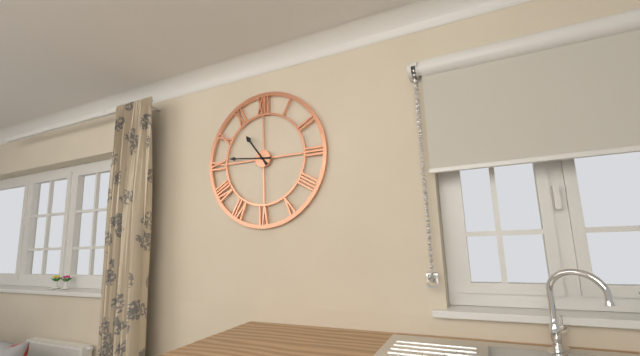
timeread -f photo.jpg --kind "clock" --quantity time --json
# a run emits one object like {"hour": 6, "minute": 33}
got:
{"hour": 10, "minute": 46}
